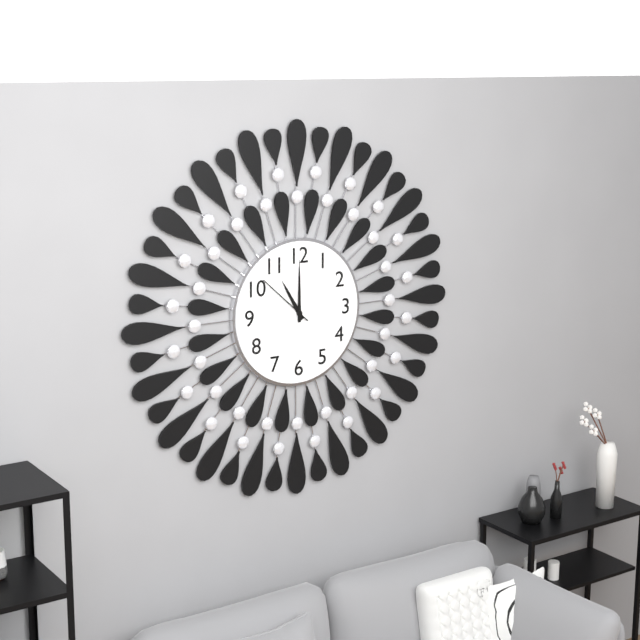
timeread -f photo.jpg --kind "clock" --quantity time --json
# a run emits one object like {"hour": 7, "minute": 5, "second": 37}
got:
{"hour": 11, "minute": 0, "second": 52}
